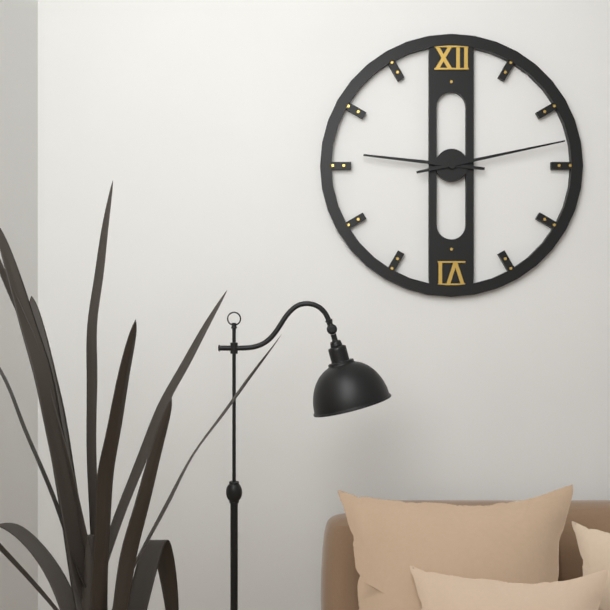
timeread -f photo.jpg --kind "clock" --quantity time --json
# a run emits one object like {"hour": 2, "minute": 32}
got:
{"hour": 9, "minute": 13}
